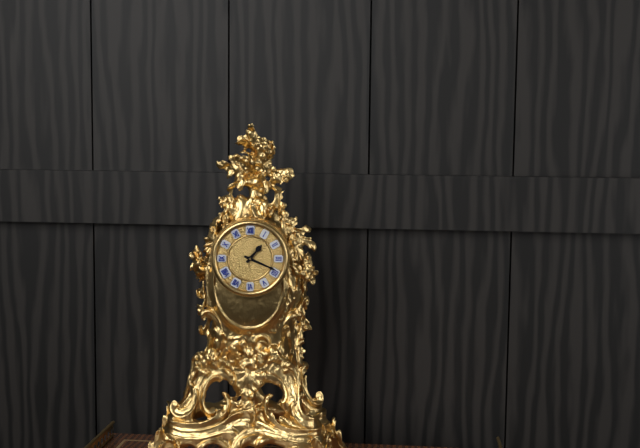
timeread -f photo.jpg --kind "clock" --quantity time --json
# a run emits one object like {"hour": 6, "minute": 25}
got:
{"hour": 1, "minute": 19}
